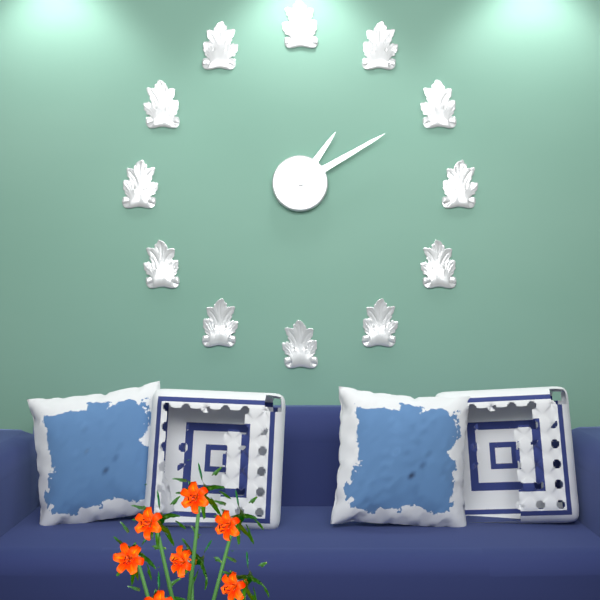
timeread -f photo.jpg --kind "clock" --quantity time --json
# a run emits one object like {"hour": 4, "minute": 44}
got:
{"hour": 1, "minute": 10}
